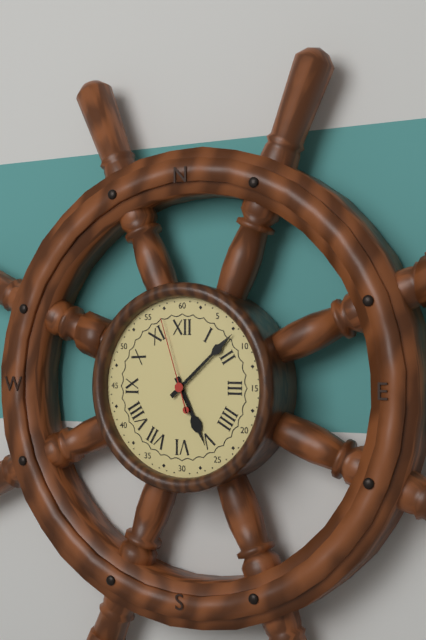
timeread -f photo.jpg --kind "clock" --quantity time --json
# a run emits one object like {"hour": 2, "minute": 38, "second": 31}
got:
{"hour": 5, "minute": 8, "second": 57}
